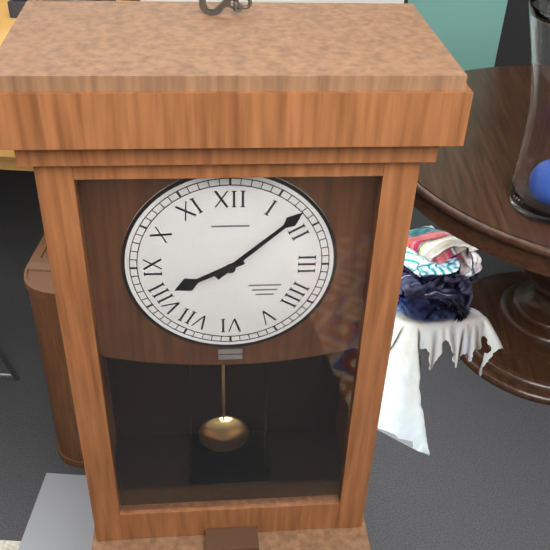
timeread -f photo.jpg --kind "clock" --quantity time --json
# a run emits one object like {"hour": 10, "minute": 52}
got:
{"hour": 8, "minute": 8}
